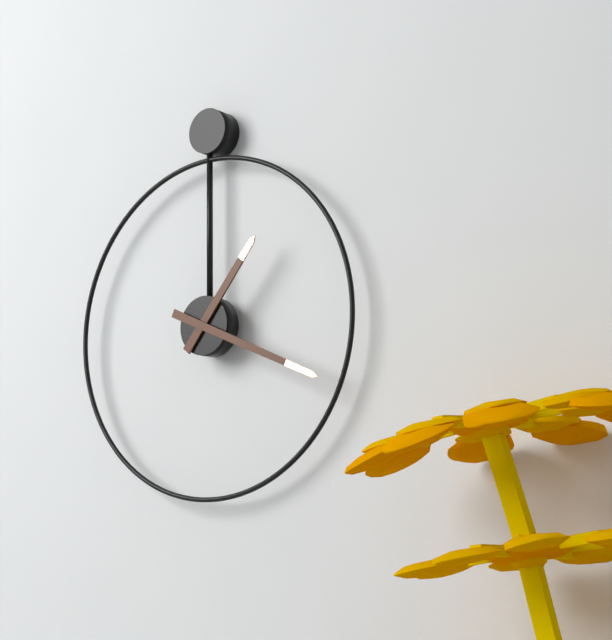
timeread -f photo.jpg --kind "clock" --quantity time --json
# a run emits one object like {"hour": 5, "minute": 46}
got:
{"hour": 1, "minute": 19}
